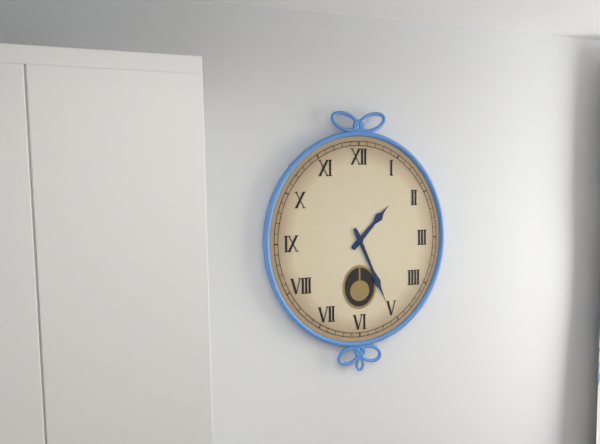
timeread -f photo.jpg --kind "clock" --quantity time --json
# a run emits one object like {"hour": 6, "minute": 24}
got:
{"hour": 1, "minute": 26}
